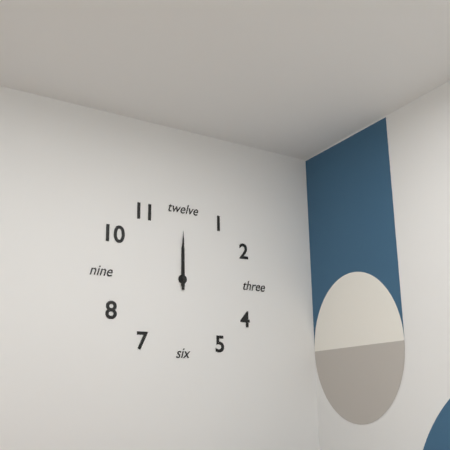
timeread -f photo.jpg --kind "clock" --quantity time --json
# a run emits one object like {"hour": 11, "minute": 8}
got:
{"hour": 12, "minute": 0}
